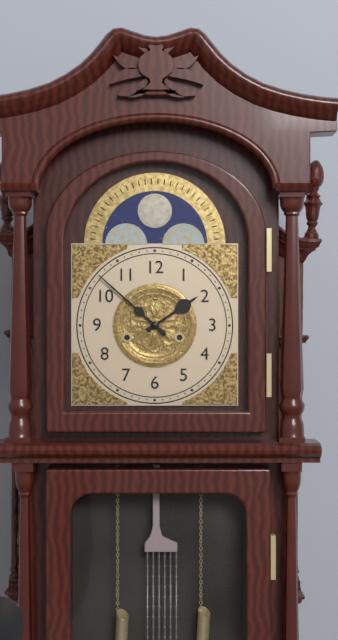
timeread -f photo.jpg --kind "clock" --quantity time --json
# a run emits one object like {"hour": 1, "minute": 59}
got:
{"hour": 1, "minute": 52}
